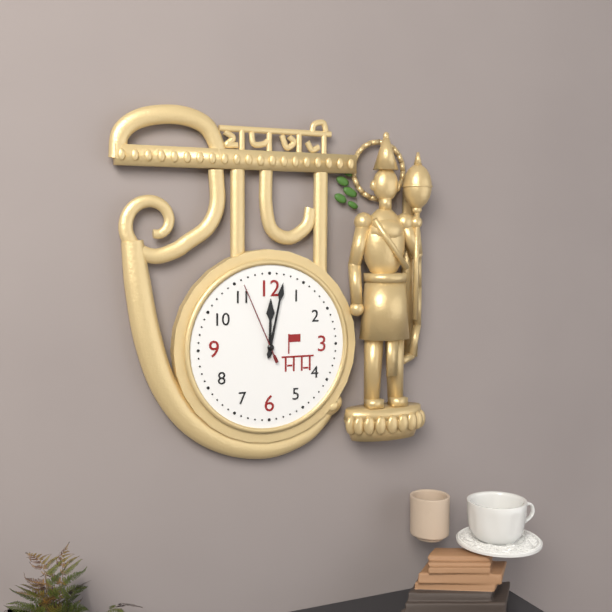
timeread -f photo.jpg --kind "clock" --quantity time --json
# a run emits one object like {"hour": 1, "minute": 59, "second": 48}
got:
{"hour": 12, "minute": 2, "second": 56}
